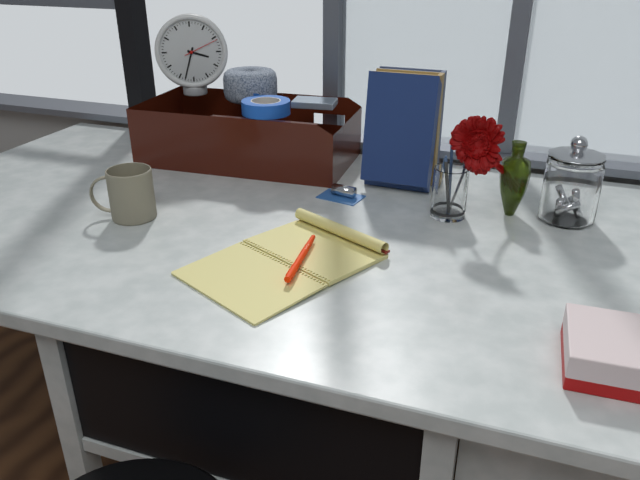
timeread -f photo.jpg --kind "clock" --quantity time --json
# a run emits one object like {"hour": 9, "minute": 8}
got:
{"hour": 3, "minute": 33}
